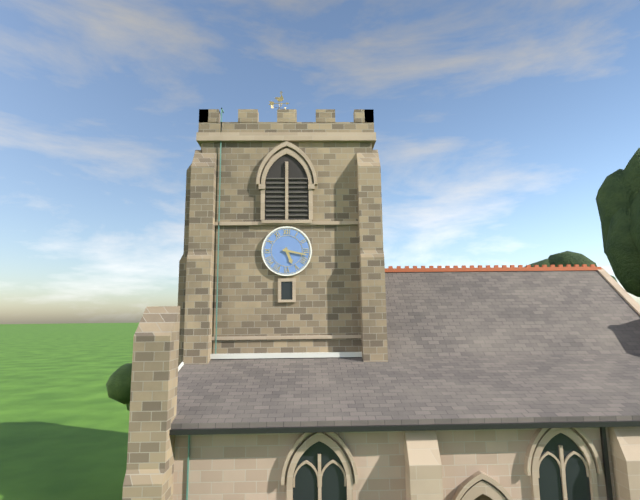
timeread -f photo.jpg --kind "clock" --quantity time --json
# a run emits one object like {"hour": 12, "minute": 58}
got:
{"hour": 5, "minute": 17}
